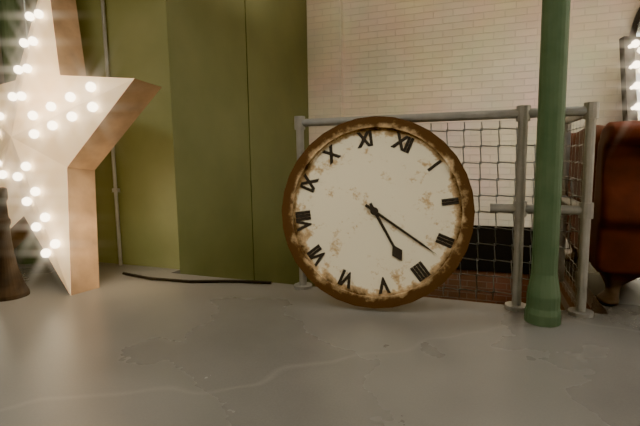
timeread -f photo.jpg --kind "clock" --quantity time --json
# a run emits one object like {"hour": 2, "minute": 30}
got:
{"hour": 4, "minute": 17}
